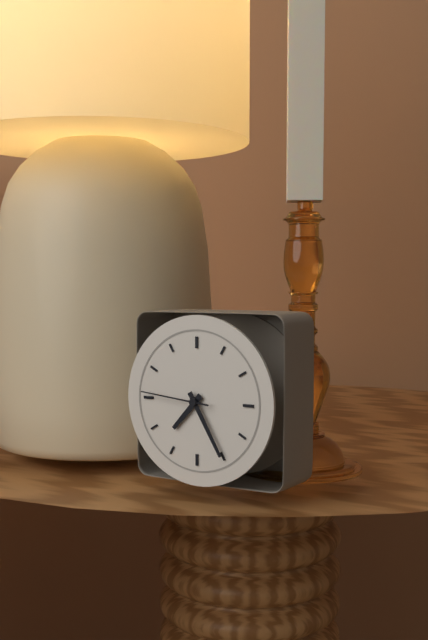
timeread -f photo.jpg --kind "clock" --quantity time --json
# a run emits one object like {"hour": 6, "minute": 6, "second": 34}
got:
{"hour": 7, "minute": 25, "second": 46}
